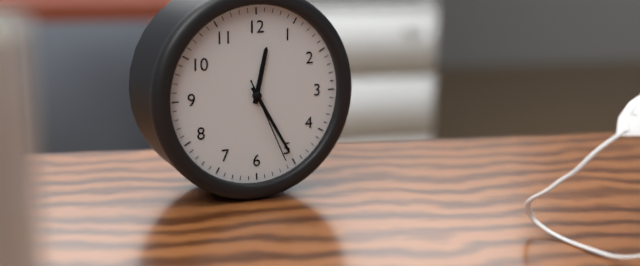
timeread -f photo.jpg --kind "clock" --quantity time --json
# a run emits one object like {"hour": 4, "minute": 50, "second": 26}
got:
{"hour": 12, "minute": 25, "second": 26}
